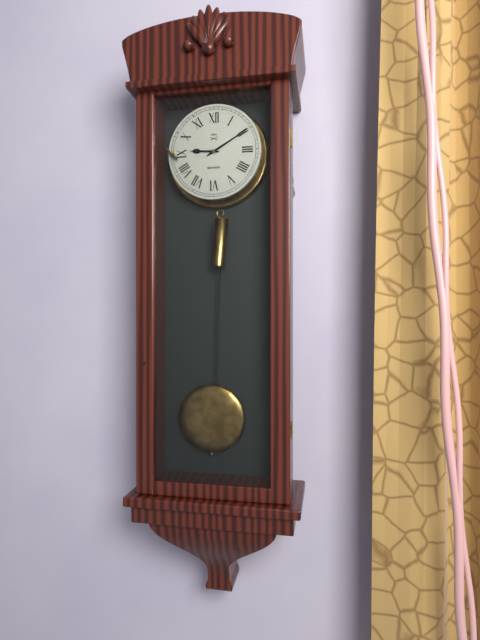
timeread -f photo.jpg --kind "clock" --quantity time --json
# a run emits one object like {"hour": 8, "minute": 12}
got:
{"hour": 9, "minute": 10}
